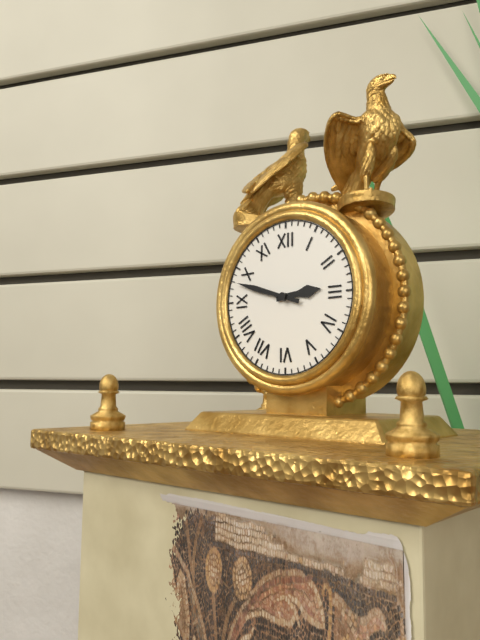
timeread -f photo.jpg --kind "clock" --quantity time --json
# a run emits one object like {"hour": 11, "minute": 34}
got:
{"hour": 2, "minute": 48}
